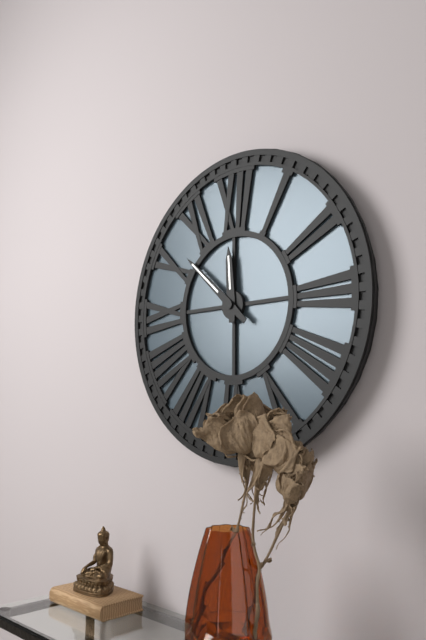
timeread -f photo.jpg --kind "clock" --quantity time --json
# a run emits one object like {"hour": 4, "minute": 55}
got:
{"hour": 11, "minute": 52}
